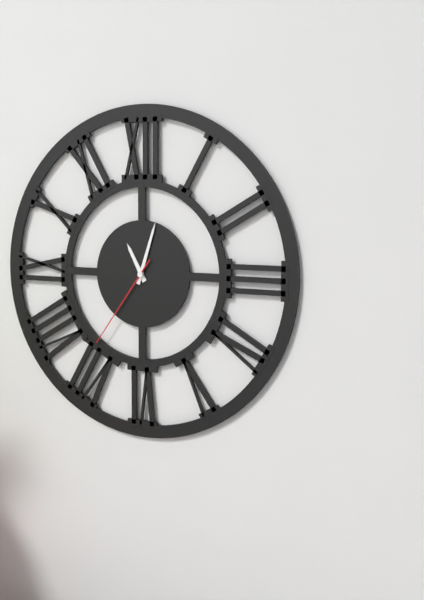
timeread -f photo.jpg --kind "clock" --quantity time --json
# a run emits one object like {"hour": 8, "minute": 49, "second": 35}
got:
{"hour": 11, "minute": 3, "second": 36}
